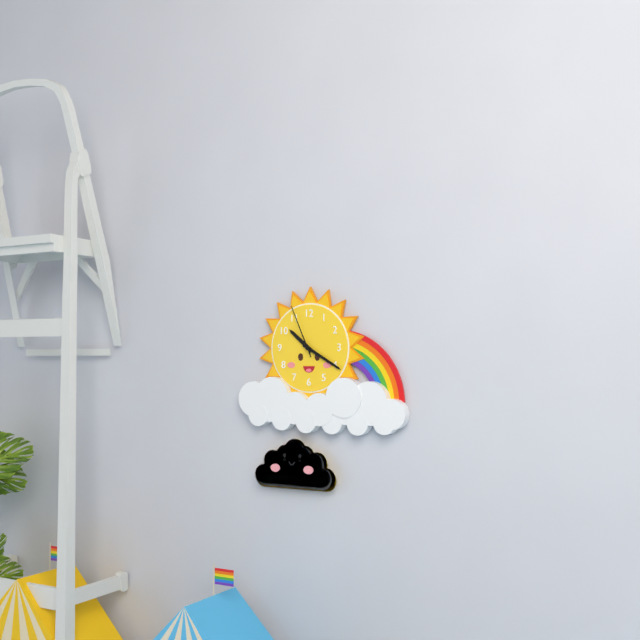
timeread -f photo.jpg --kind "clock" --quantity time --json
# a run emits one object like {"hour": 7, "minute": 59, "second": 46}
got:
{"hour": 10, "minute": 20, "second": 56}
